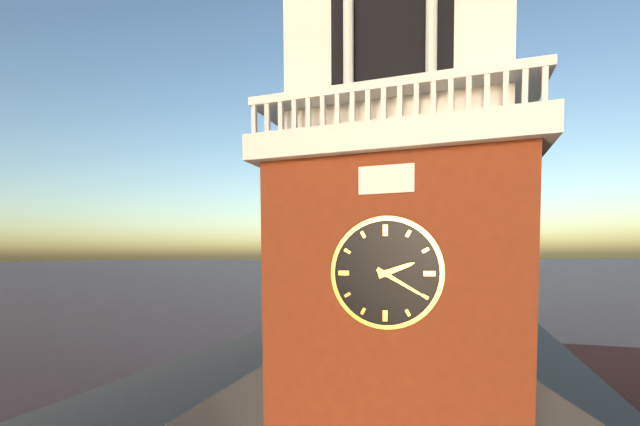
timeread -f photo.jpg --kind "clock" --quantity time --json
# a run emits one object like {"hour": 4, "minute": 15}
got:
{"hour": 2, "minute": 20}
